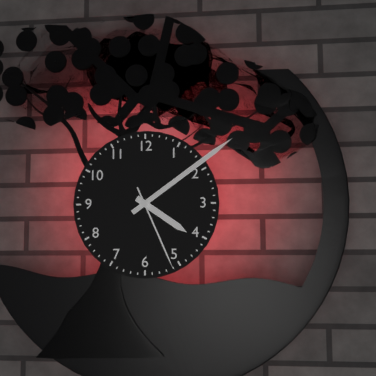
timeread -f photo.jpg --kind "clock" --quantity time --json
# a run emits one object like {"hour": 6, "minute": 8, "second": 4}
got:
{"hour": 4, "minute": 9, "second": 26}
